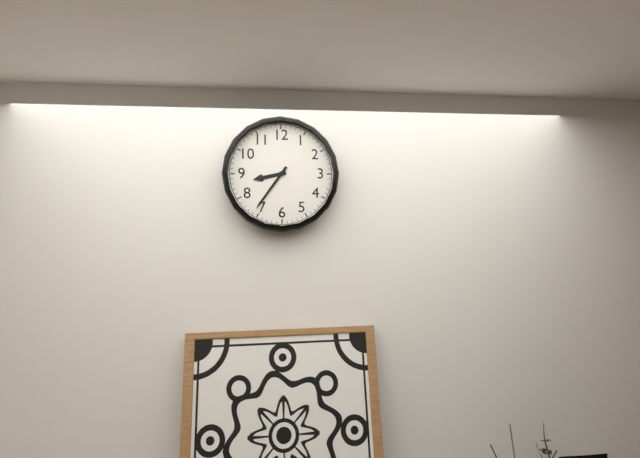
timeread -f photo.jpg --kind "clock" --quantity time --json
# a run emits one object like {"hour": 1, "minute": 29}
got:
{"hour": 8, "minute": 36}
